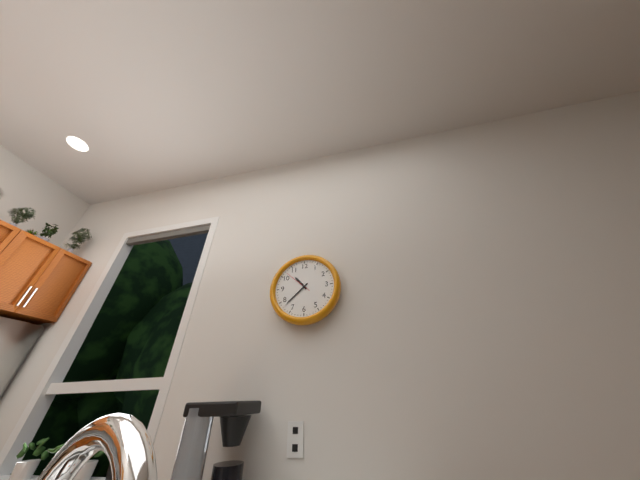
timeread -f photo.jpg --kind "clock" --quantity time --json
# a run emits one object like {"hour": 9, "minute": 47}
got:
{"hour": 10, "minute": 38}
